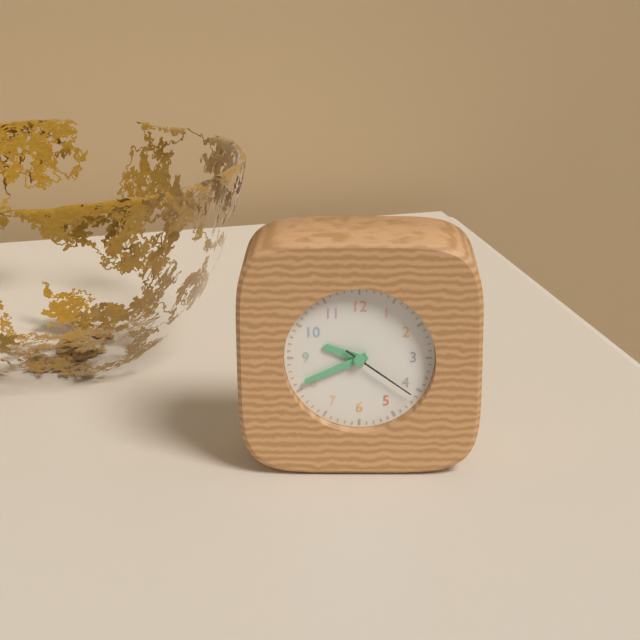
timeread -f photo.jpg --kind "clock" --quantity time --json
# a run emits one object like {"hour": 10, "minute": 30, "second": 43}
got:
{"hour": 9, "minute": 41, "second": 21}
